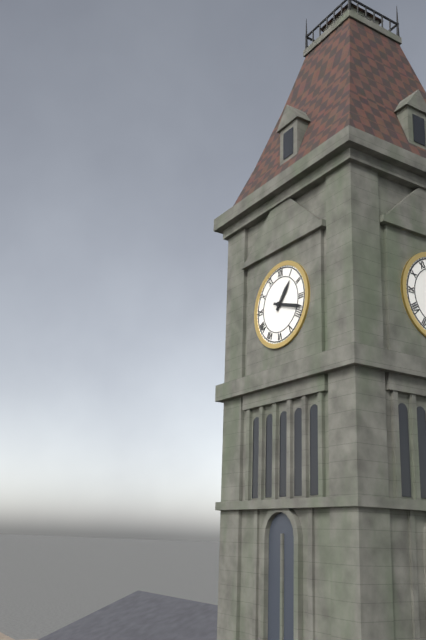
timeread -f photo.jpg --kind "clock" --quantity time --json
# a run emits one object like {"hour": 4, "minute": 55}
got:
{"hour": 1, "minute": 18}
